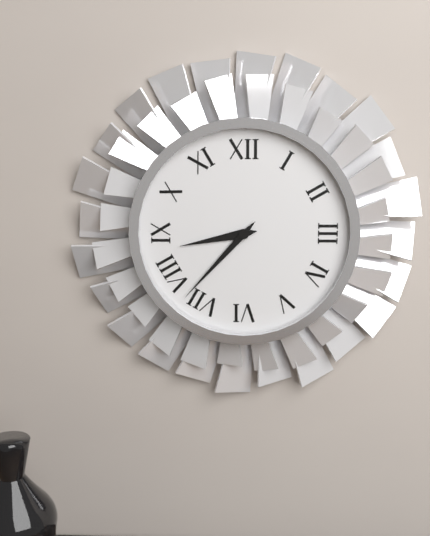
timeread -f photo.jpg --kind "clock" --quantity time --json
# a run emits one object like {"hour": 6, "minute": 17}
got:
{"hour": 8, "minute": 37}
